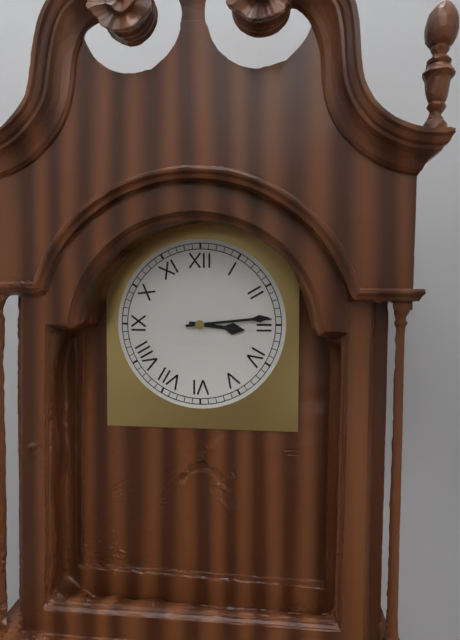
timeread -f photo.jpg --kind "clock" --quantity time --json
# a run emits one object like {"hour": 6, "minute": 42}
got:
{"hour": 3, "minute": 14}
